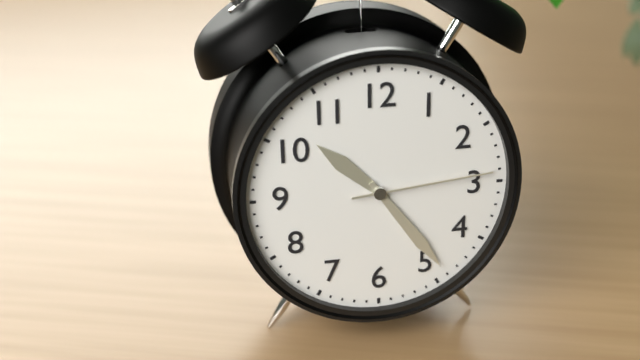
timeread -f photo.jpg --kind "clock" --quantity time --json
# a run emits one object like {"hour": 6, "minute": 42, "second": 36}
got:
{"hour": 10, "minute": 24, "second": 14}
